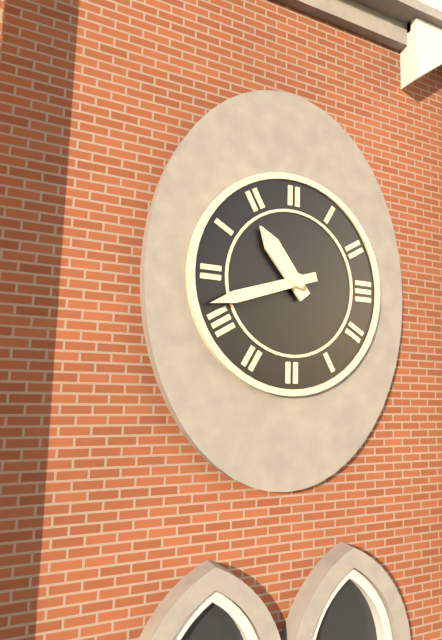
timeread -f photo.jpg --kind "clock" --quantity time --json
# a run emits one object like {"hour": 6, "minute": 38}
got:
{"hour": 10, "minute": 42}
